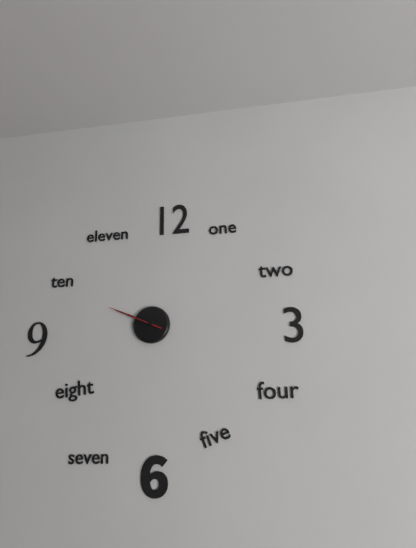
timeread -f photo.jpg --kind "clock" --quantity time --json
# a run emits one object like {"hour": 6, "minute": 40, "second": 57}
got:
{"hour": 9, "minute": 49, "second": 49}
